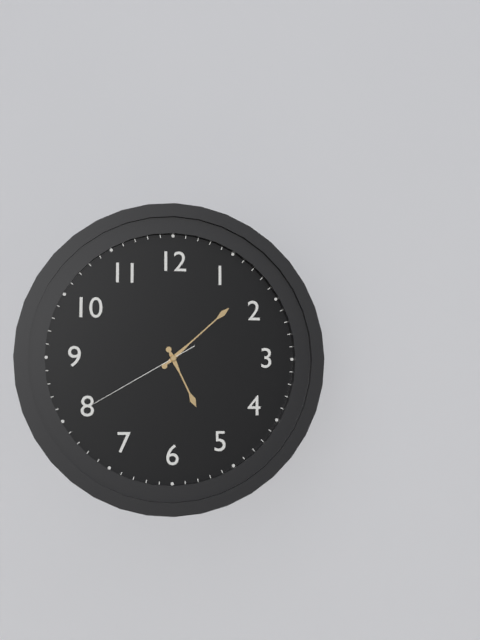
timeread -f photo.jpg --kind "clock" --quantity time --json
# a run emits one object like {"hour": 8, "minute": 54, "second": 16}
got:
{"hour": 5, "minute": 8, "second": 40}
